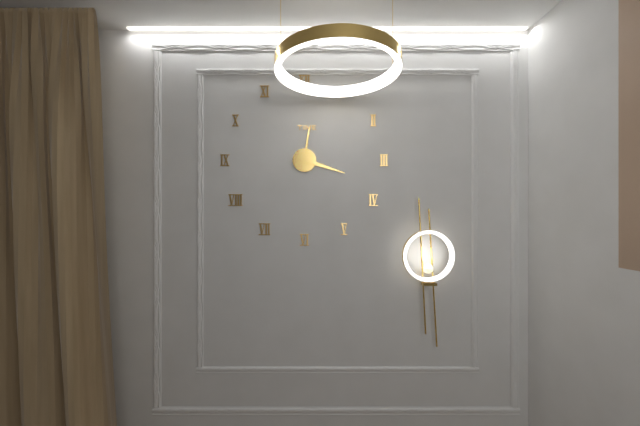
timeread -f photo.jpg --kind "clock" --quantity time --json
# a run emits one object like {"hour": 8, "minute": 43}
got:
{"hour": 12, "minute": 18}
